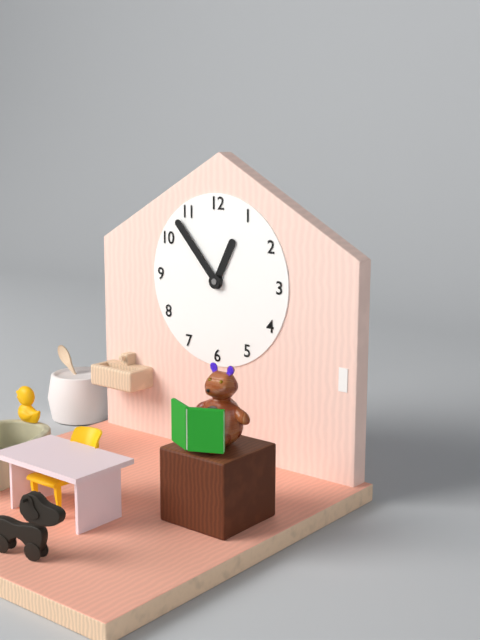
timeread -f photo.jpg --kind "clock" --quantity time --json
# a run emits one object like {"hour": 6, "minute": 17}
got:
{"hour": 12, "minute": 53}
